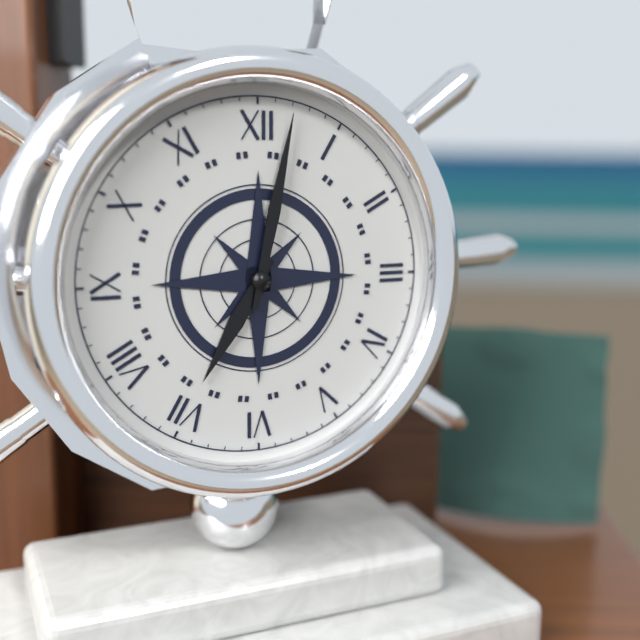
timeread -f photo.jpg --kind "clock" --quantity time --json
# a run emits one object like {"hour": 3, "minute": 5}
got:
{"hour": 7, "minute": 2}
